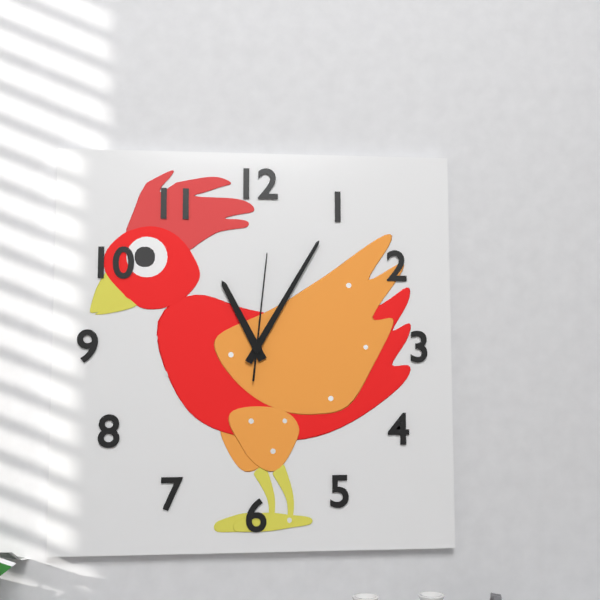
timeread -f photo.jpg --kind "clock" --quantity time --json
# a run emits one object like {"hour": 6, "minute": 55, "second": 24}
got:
{"hour": 11, "minute": 5, "second": 1}
